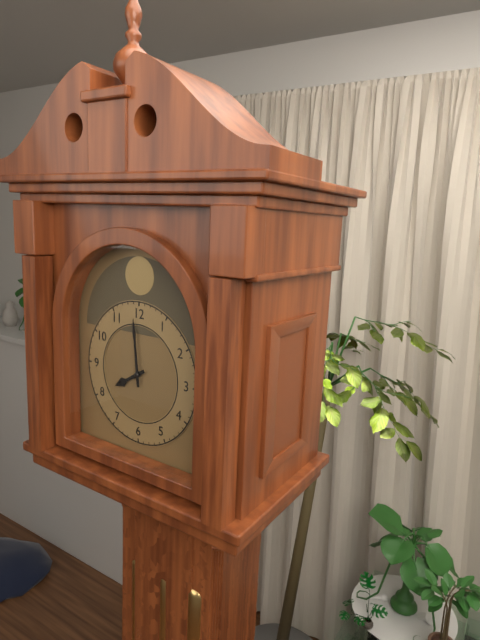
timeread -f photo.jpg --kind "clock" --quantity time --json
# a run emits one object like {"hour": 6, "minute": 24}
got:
{"hour": 7, "minute": 59}
